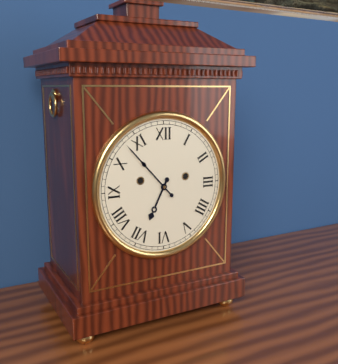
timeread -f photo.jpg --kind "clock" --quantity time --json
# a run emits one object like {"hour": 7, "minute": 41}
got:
{"hour": 6, "minute": 53}
